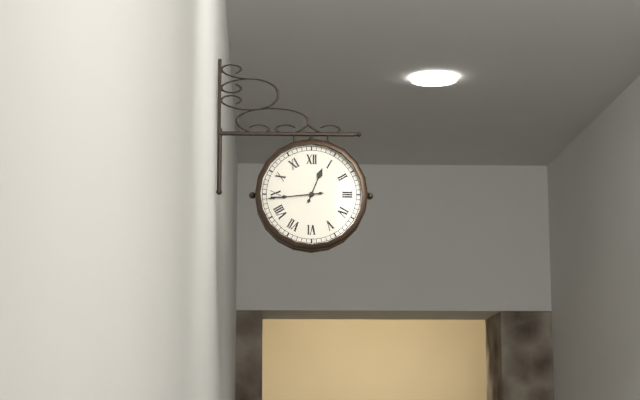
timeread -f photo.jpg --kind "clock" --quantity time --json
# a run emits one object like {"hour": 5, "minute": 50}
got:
{"hour": 12, "minute": 44}
